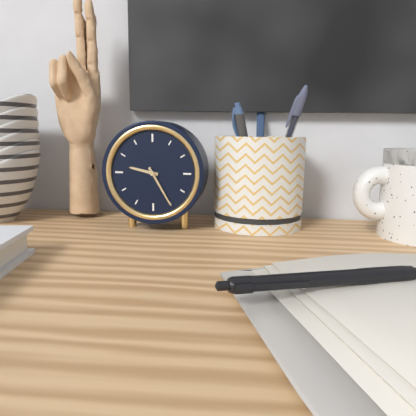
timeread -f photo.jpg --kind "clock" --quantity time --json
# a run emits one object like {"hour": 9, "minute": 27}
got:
{"hour": 9, "minute": 25}
